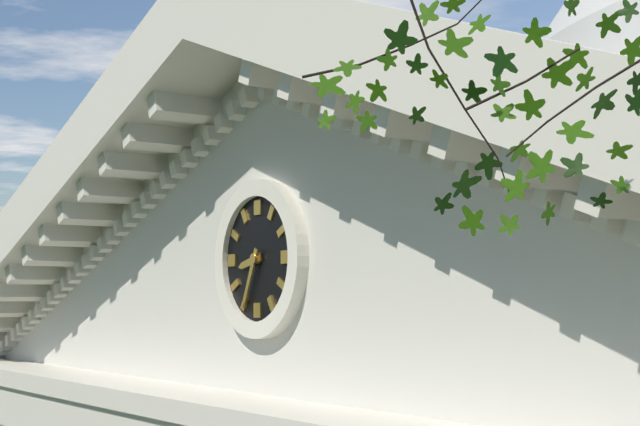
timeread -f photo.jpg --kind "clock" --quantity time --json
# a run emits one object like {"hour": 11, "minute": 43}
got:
{"hour": 8, "minute": 34}
